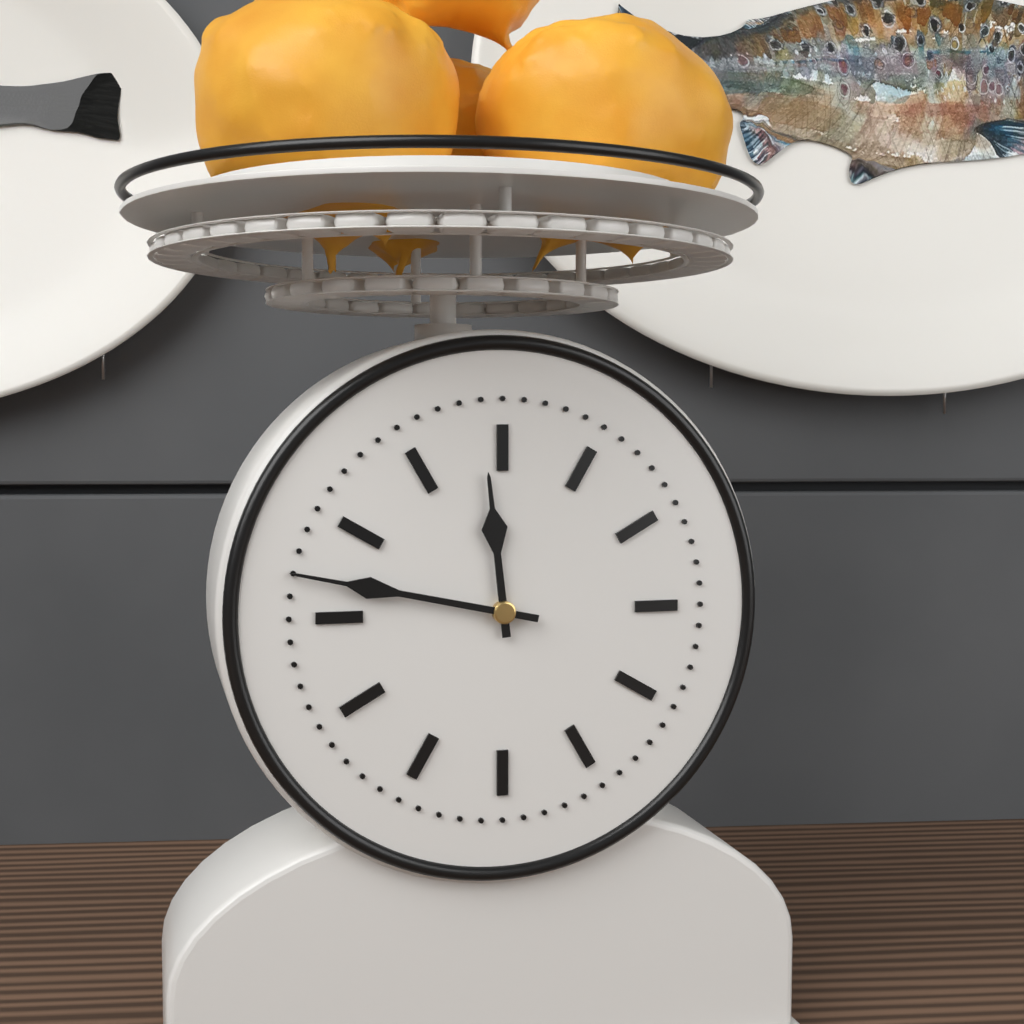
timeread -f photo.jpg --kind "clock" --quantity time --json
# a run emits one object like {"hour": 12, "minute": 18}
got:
{"hour": 11, "minute": 47}
